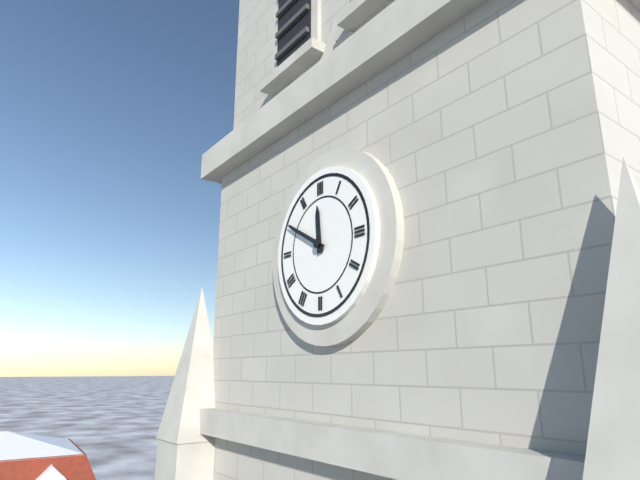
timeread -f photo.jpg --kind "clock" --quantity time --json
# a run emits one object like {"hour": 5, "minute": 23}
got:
{"hour": 11, "minute": 50}
